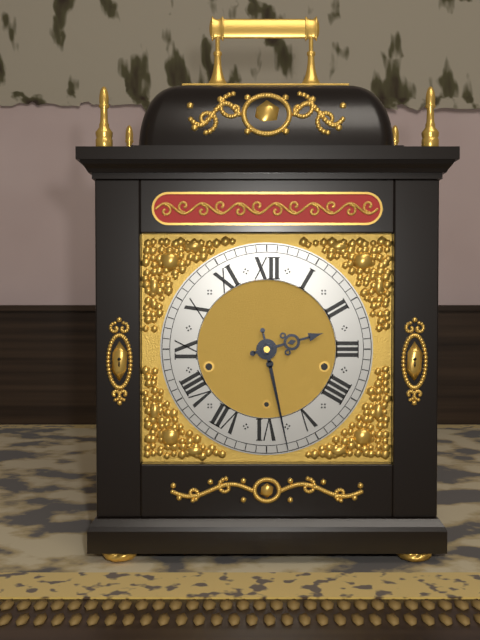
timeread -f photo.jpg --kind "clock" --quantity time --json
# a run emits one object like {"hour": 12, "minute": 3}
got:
{"hour": 2, "minute": 28}
